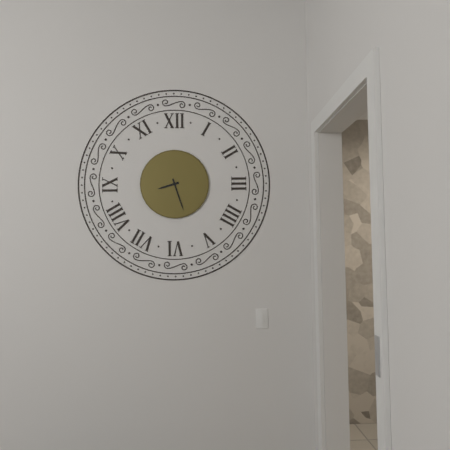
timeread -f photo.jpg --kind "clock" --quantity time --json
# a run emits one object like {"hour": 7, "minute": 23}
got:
{"hour": 8, "minute": 27}
